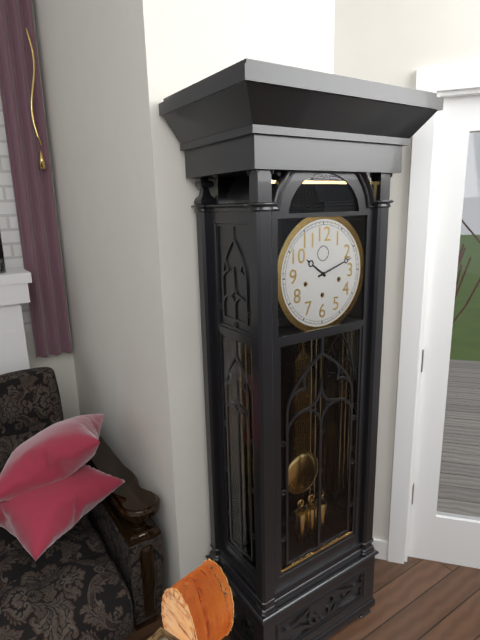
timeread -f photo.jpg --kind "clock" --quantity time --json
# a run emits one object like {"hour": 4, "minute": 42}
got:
{"hour": 10, "minute": 12}
